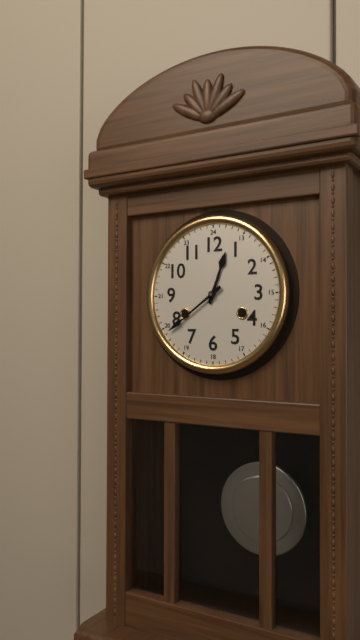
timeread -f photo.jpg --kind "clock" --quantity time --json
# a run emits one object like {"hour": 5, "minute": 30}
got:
{"hour": 12, "minute": 39}
